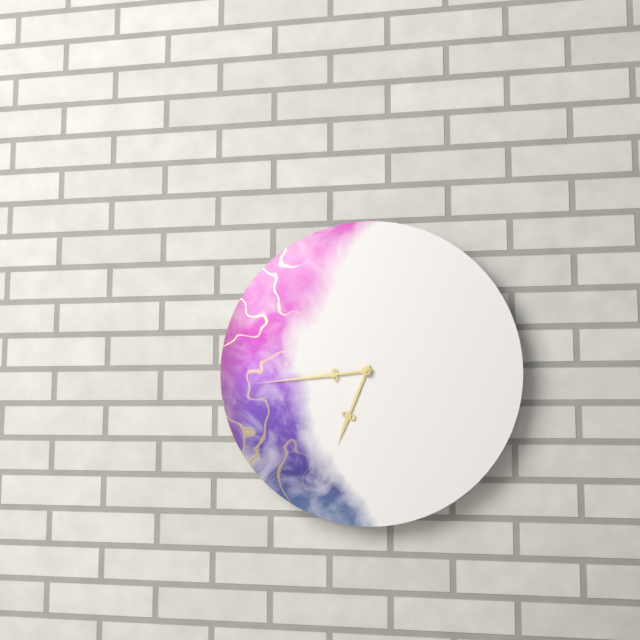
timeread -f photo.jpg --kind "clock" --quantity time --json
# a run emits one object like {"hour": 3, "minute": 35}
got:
{"hour": 6, "minute": 44}
